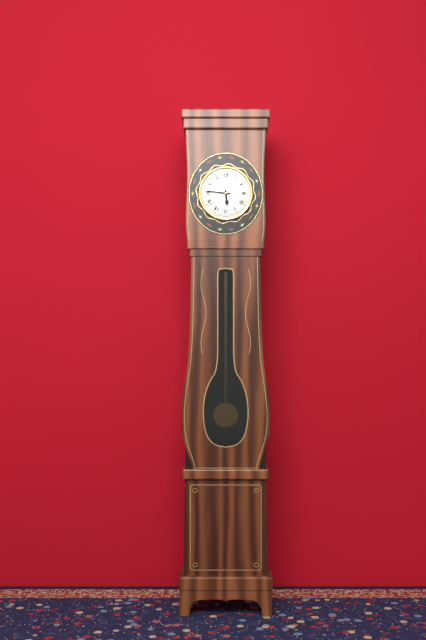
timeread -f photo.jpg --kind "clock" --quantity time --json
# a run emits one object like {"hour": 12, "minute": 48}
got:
{"hour": 5, "minute": 46}
